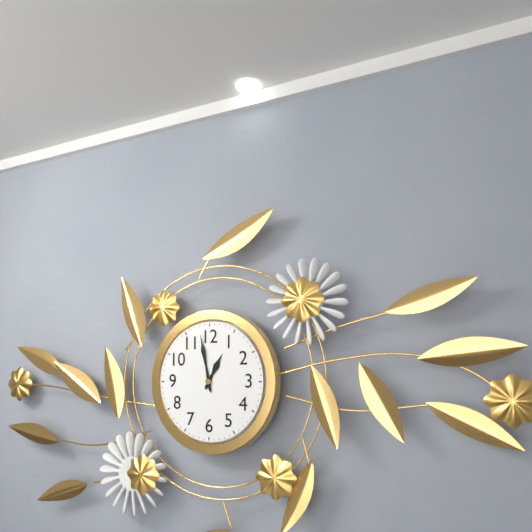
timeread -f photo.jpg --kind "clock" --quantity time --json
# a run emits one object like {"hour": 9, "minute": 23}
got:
{"hour": 12, "minute": 58}
